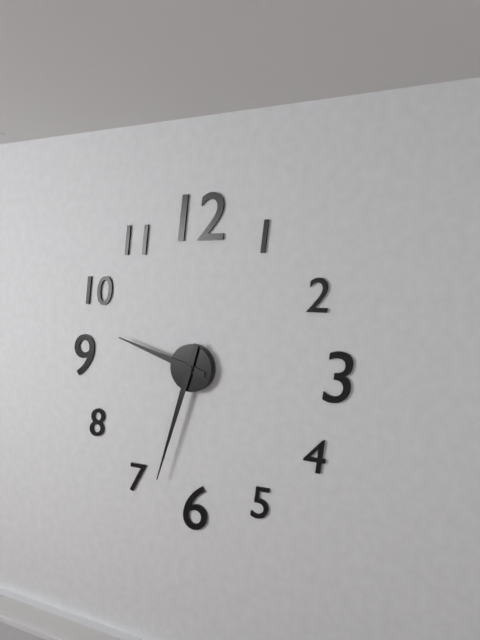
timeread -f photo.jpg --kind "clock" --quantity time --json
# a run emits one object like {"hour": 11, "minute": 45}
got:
{"hour": 9, "minute": 33}
